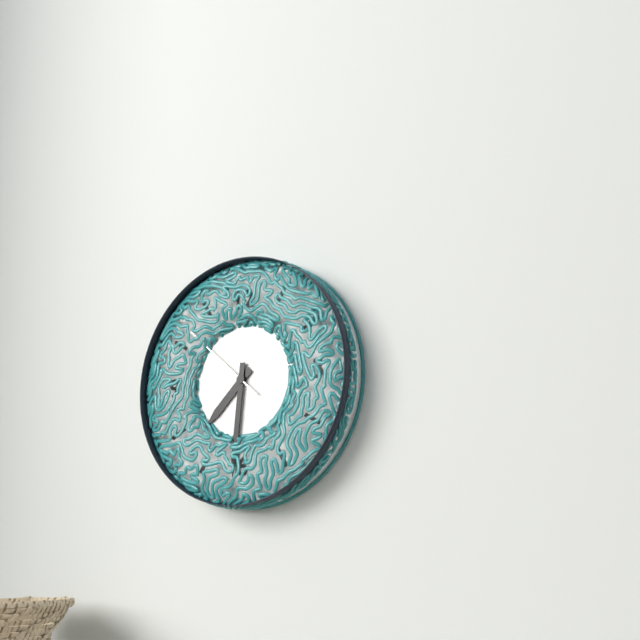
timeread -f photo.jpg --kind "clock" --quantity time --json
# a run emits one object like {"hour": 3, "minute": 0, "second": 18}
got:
{"hour": 7, "minute": 31, "second": 52}
